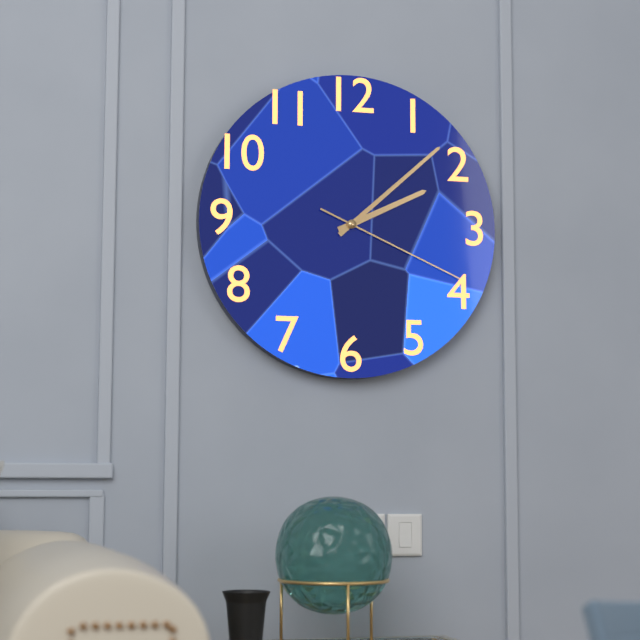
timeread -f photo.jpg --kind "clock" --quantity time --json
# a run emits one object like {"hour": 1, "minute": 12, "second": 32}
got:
{"hour": 2, "minute": 8, "second": 19}
